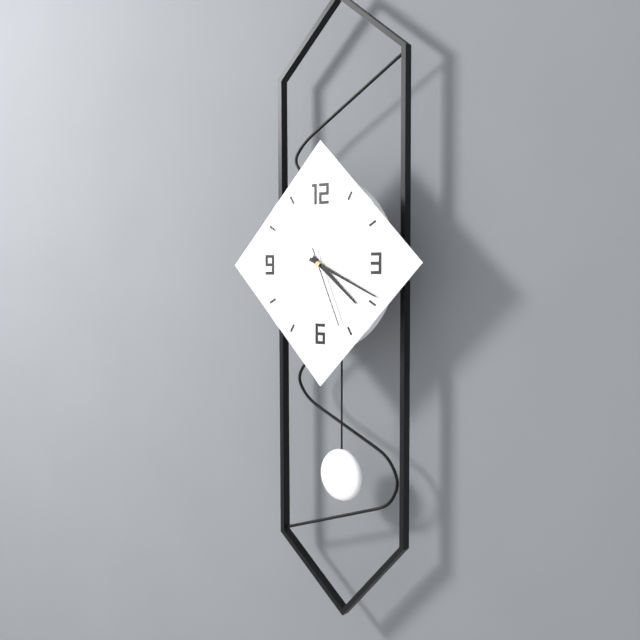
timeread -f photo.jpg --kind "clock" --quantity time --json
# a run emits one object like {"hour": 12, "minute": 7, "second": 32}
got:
{"hour": 4, "minute": 19, "second": 26}
